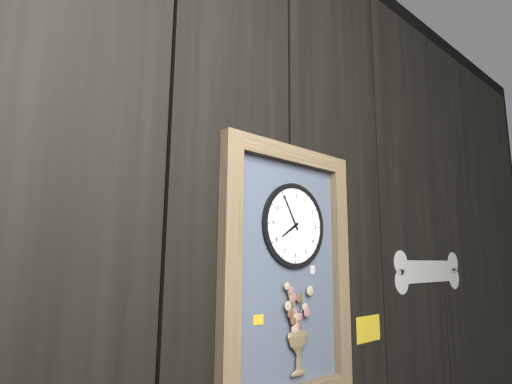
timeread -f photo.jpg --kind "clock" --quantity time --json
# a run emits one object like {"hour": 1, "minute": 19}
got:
{"hour": 7, "minute": 55}
